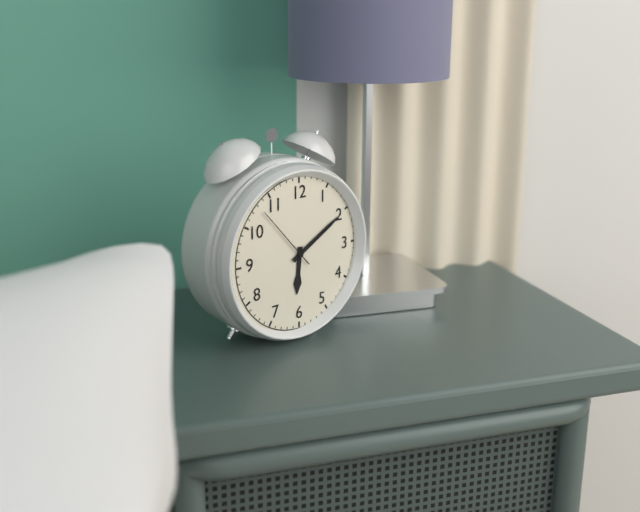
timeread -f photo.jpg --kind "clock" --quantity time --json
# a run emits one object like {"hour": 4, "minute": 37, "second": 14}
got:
{"hour": 6, "minute": 10, "second": 53}
